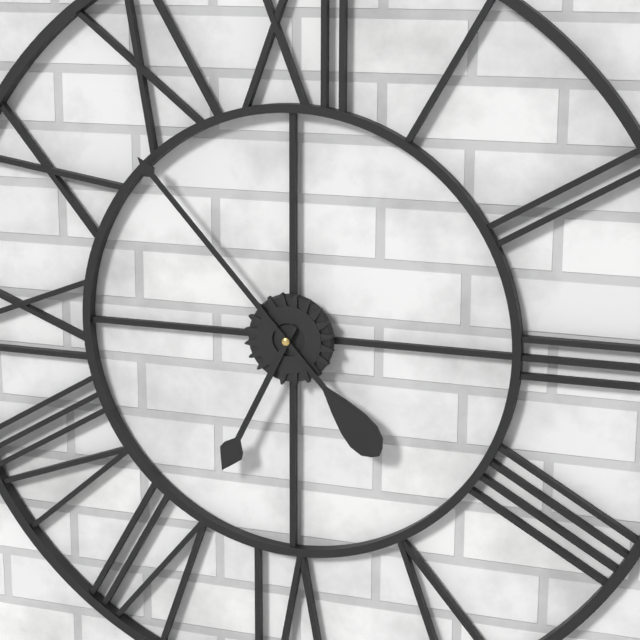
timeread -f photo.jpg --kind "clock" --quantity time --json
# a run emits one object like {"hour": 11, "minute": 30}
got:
{"hour": 6, "minute": 53}
